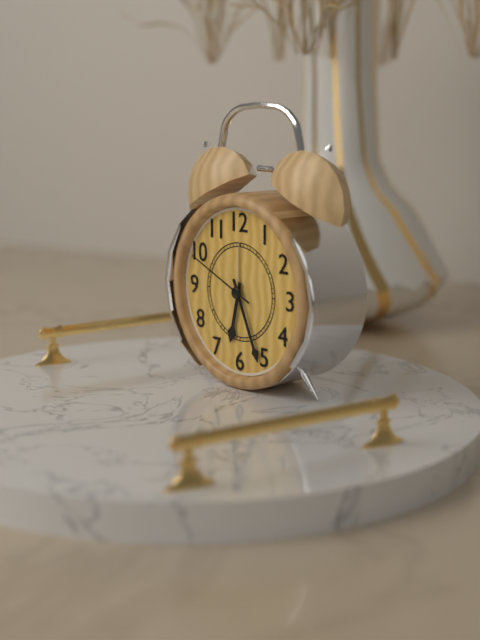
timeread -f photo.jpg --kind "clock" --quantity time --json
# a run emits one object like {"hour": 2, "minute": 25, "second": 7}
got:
{"hour": 6, "minute": 26, "second": 49}
